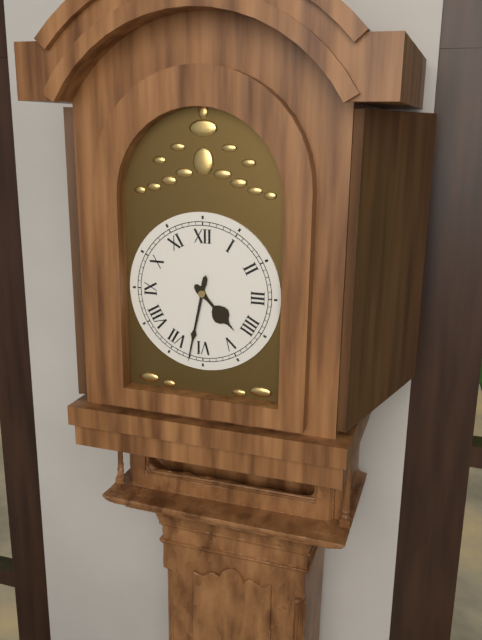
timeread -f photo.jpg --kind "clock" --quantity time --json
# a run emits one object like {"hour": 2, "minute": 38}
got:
{"hour": 4, "minute": 32}
